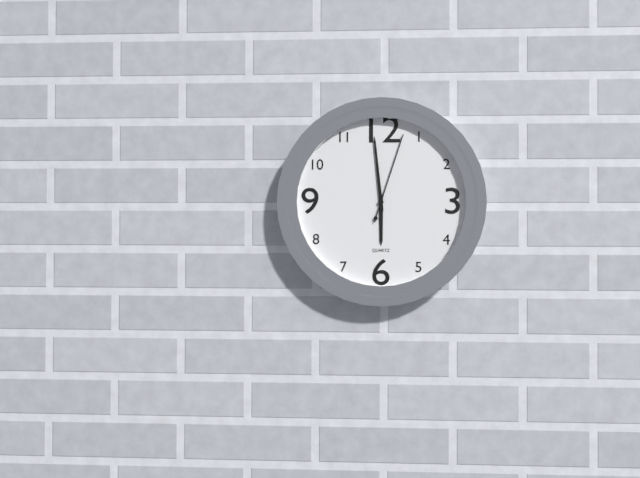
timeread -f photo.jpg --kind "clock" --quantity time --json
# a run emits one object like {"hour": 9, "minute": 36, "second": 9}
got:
{"hour": 5, "minute": 59, "second": 3}
